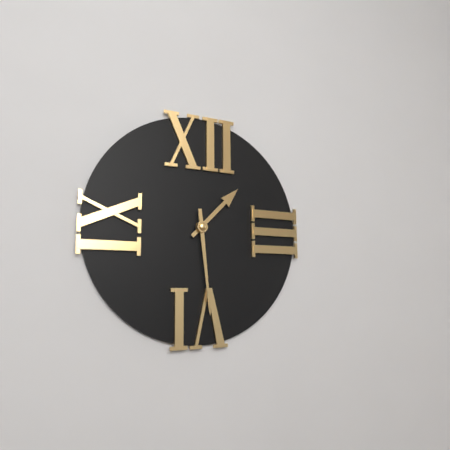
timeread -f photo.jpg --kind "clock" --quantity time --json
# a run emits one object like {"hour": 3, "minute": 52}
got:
{"hour": 1, "minute": 29}
